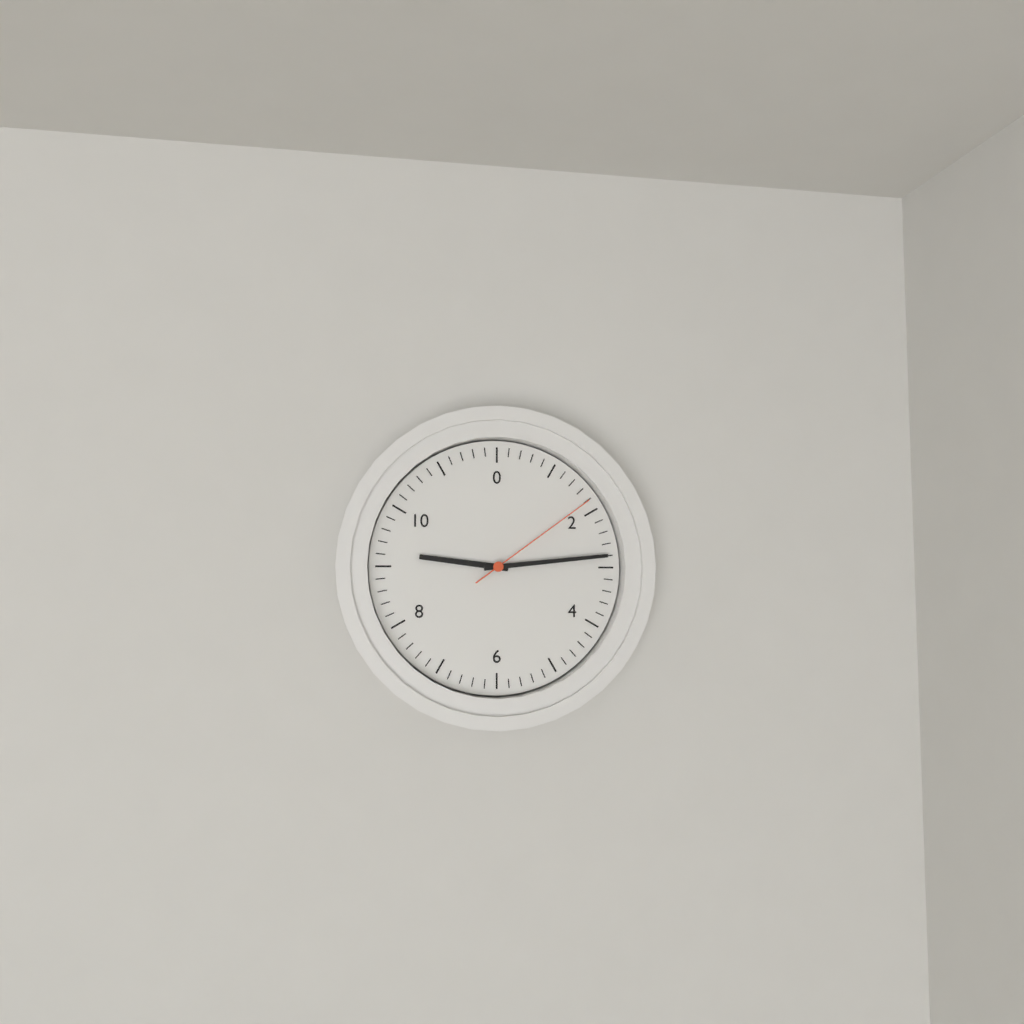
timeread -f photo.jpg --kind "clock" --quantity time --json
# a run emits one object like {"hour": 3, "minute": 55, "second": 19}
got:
{"hour": 9, "minute": 14, "second": 9}
